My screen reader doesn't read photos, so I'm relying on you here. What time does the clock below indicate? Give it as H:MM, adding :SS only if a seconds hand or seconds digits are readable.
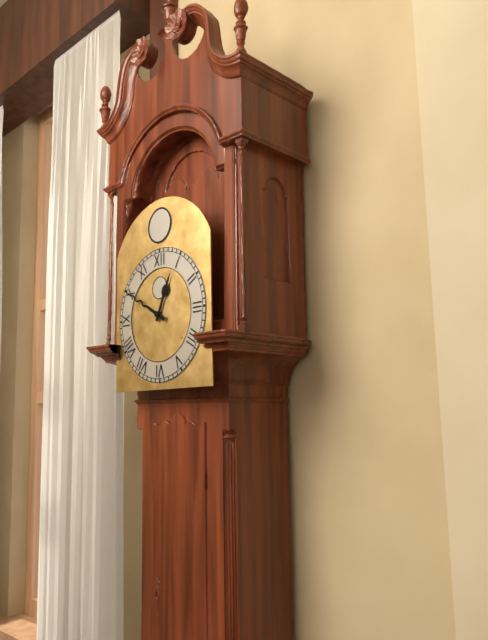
12:50
